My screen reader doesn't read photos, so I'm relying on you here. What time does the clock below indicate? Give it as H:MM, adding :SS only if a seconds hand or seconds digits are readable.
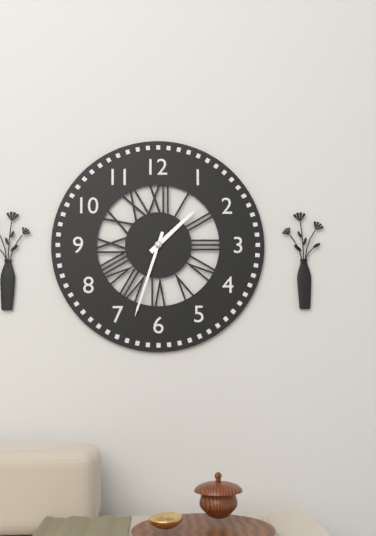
1:33
